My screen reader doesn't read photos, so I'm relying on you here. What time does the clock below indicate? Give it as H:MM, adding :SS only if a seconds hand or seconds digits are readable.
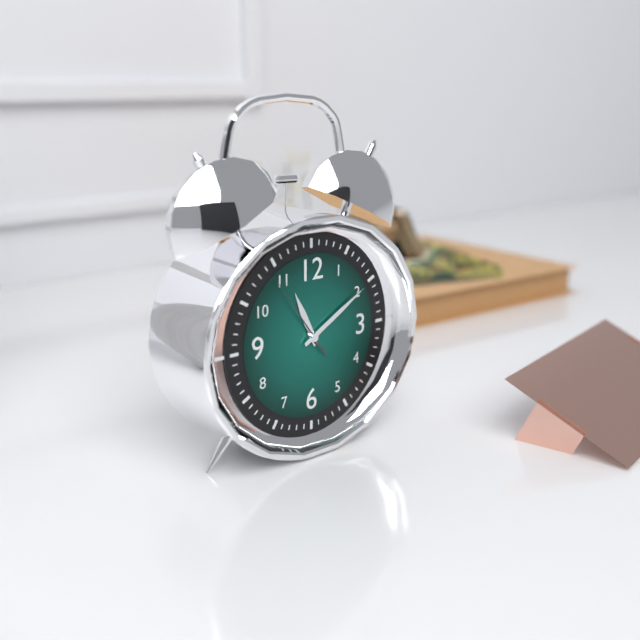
11:10:54
